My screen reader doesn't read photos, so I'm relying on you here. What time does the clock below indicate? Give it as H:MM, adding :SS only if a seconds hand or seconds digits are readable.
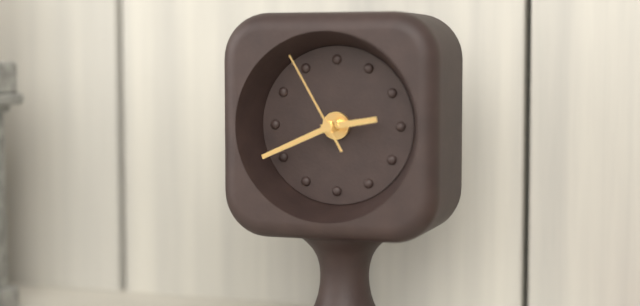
2:41:55
